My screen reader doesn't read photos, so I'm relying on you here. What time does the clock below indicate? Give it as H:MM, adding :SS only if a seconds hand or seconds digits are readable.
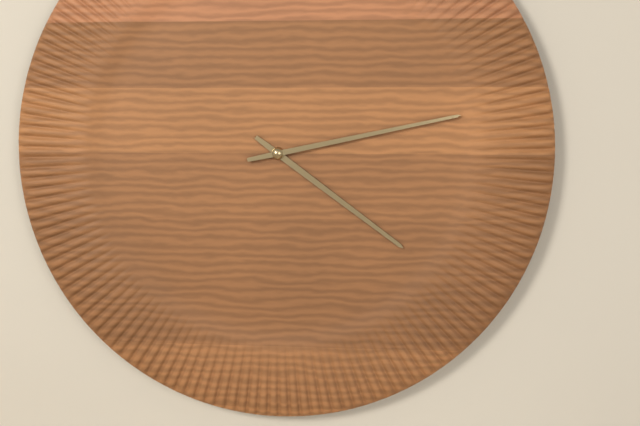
4:13
